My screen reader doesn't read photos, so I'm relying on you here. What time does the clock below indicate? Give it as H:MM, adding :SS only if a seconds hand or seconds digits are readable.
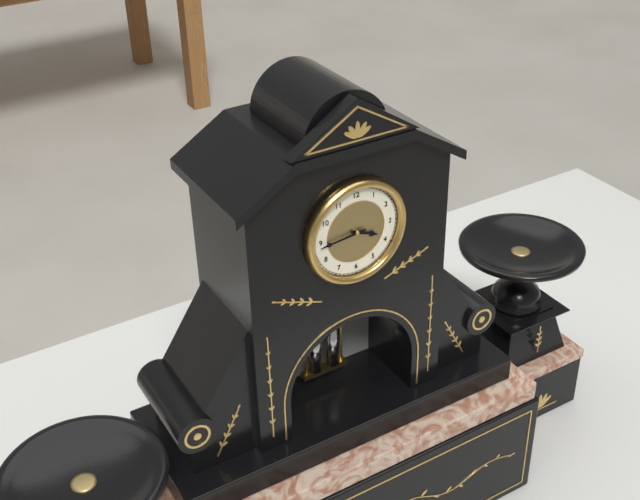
3:44
